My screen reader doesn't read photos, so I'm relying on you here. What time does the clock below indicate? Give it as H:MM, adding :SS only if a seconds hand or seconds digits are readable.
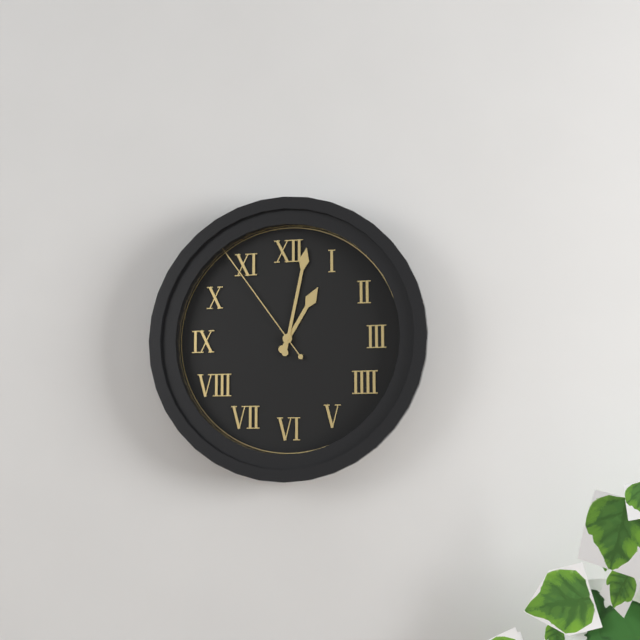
1:02:54
